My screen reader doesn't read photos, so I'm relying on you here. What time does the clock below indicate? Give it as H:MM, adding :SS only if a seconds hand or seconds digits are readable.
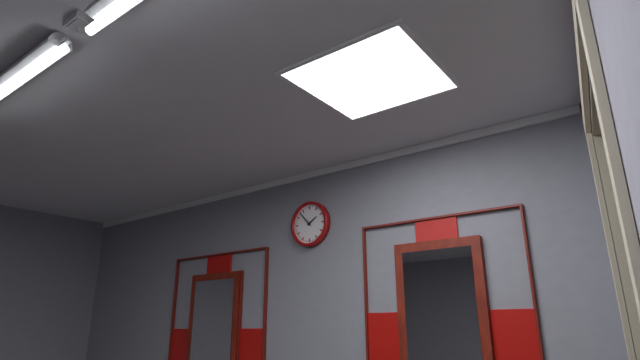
1:53
